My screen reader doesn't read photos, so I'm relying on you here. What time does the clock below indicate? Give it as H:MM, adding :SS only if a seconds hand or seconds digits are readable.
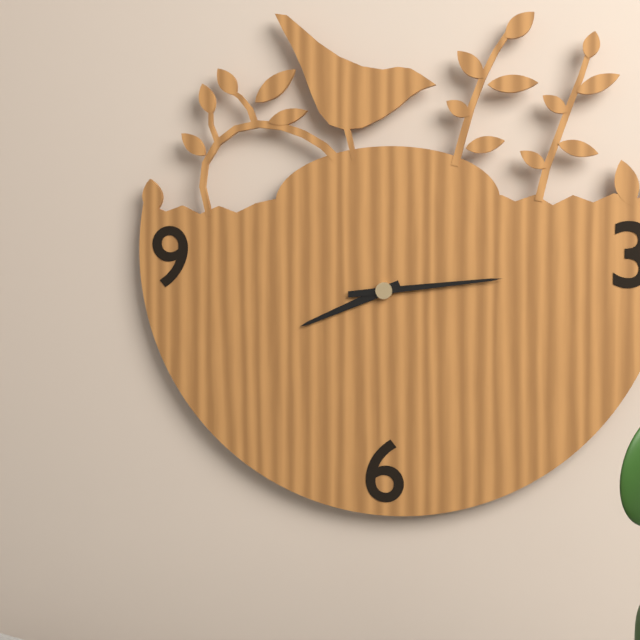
8:14
